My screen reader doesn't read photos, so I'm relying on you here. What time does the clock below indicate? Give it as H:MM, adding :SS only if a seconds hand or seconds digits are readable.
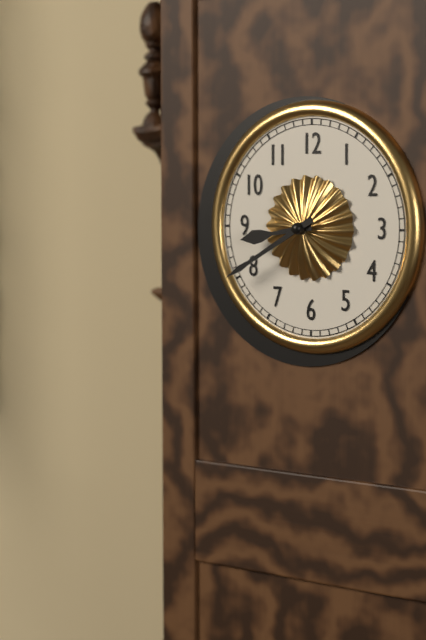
8:40
